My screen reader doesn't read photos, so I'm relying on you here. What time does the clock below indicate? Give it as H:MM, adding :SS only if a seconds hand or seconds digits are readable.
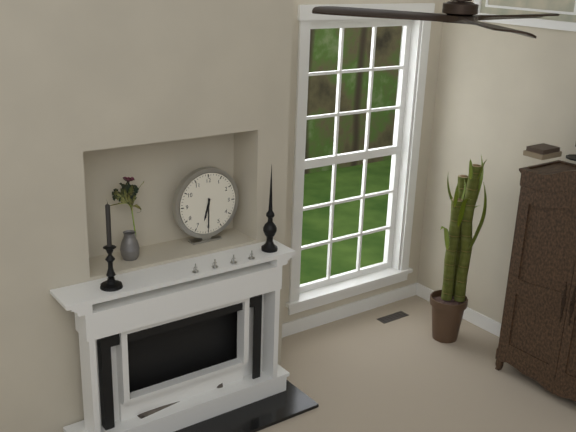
6:30
